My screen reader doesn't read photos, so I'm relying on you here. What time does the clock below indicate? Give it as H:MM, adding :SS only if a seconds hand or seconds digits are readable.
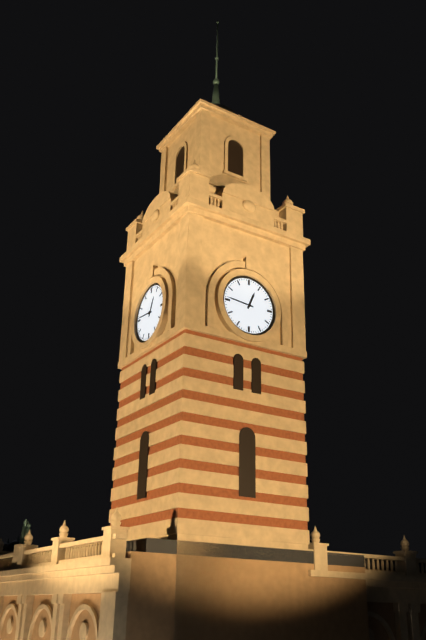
12:46
